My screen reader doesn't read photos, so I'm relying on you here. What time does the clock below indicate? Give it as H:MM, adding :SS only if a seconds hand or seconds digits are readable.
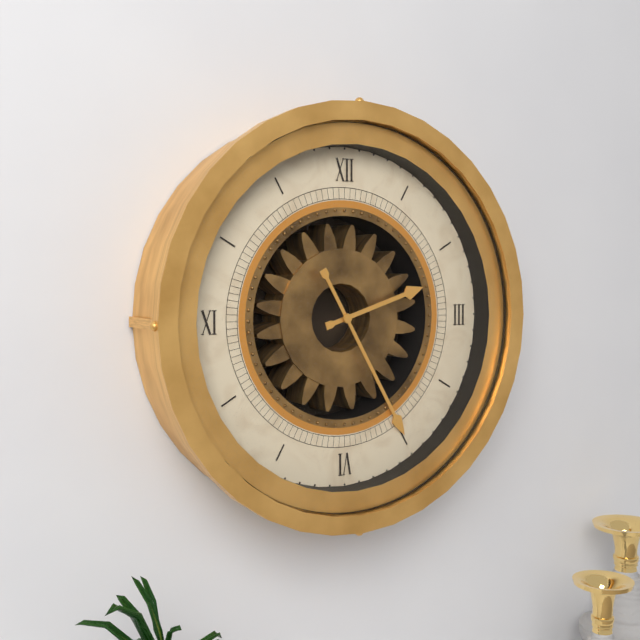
2:25
